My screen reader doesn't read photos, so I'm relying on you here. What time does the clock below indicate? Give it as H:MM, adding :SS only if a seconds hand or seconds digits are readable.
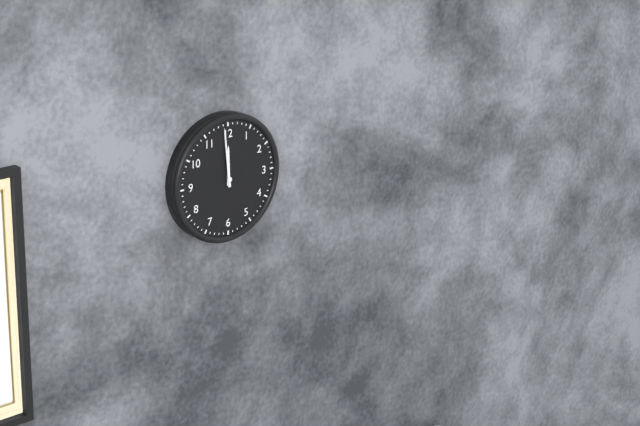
11:59
